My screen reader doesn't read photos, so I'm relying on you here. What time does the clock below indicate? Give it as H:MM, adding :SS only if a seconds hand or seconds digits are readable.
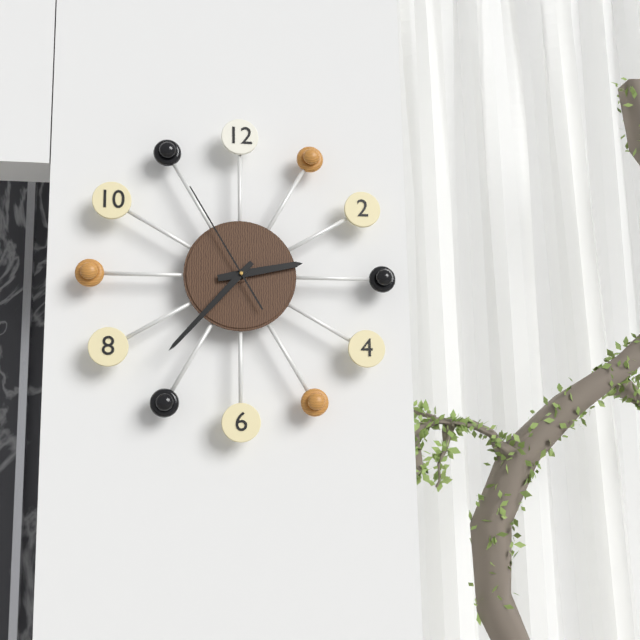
2:37:55
